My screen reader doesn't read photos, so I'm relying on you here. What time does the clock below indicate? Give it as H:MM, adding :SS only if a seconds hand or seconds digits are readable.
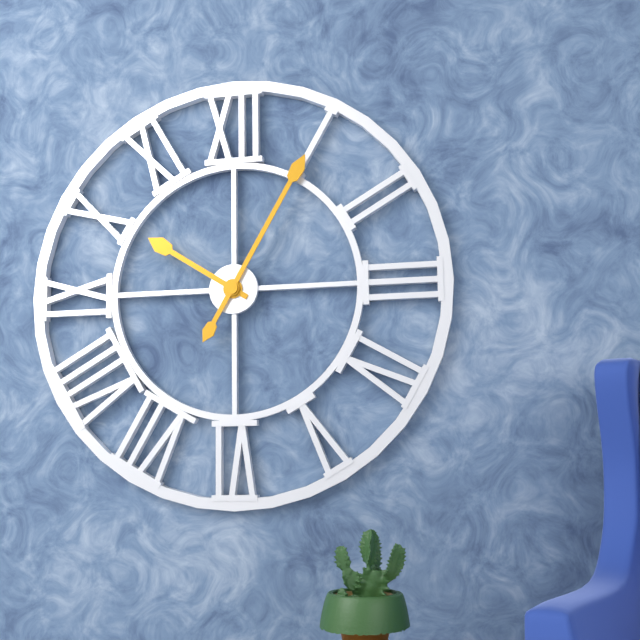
10:05
